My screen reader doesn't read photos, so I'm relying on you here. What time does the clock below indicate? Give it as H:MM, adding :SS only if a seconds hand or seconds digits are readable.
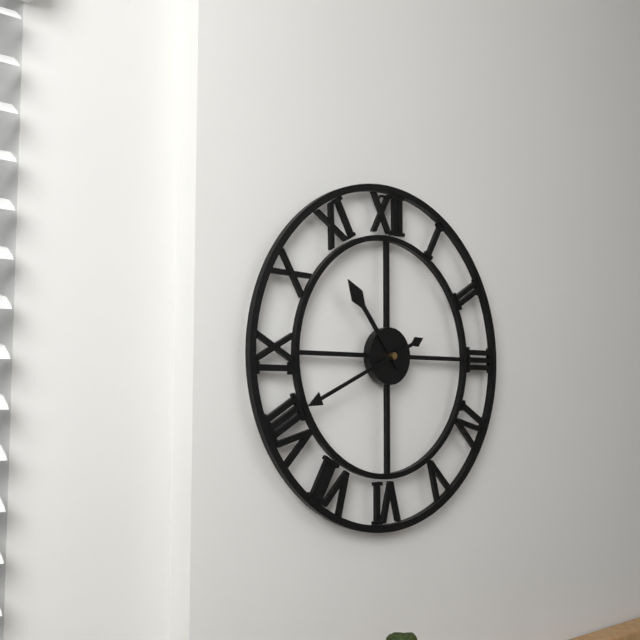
10:41
